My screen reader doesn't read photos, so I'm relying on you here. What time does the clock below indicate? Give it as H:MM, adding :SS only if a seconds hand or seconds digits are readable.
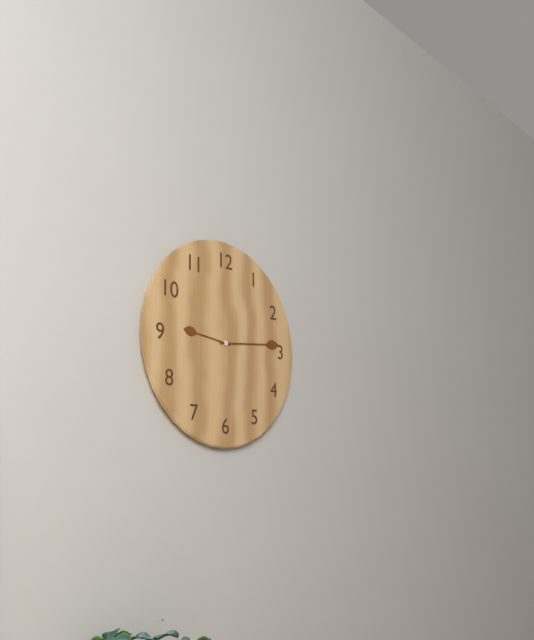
9:14
